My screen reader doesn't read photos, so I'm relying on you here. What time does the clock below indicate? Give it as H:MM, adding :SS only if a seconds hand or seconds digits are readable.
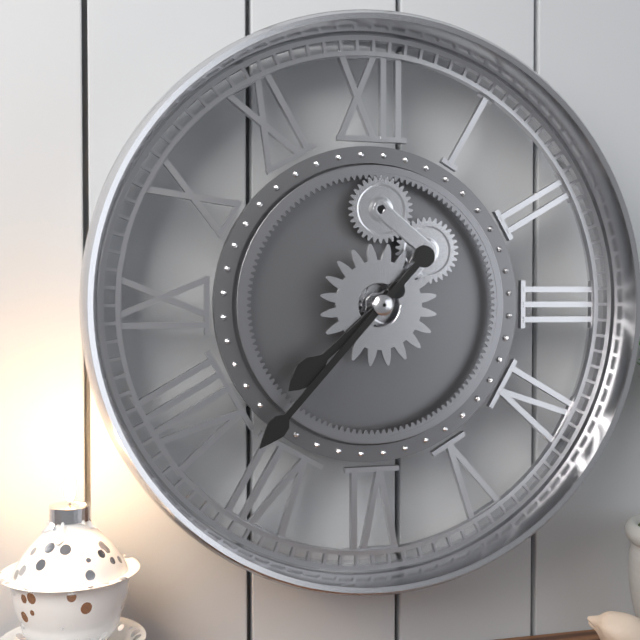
7:37
